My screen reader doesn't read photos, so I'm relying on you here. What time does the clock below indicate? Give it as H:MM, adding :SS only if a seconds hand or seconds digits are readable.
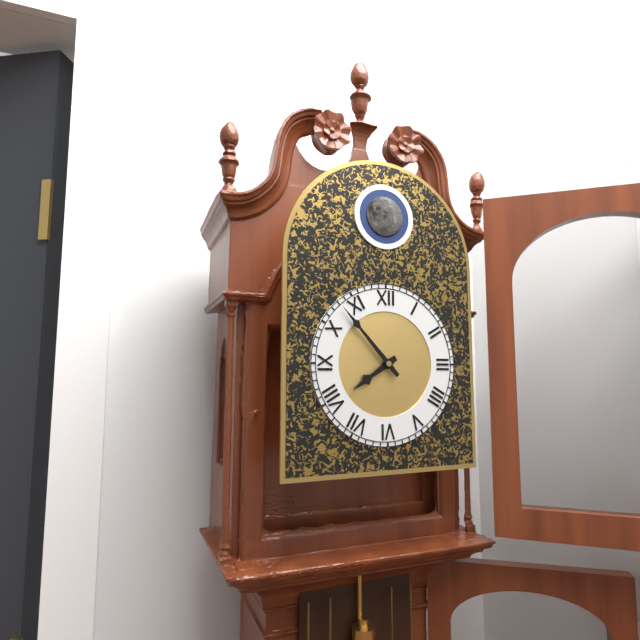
7:53
